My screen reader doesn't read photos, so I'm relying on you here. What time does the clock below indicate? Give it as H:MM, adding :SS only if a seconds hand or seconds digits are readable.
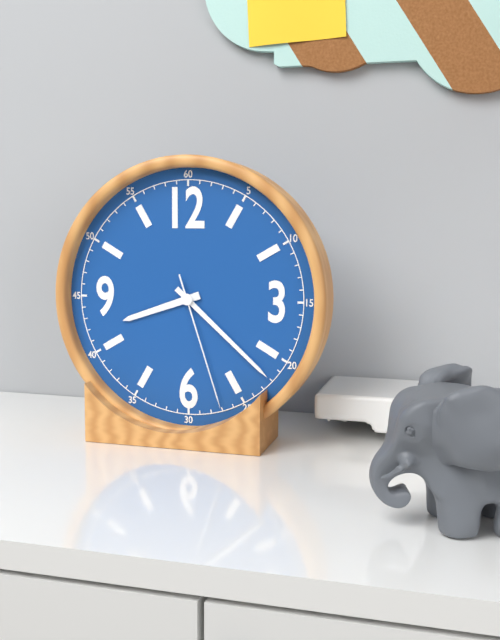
8:22:27
